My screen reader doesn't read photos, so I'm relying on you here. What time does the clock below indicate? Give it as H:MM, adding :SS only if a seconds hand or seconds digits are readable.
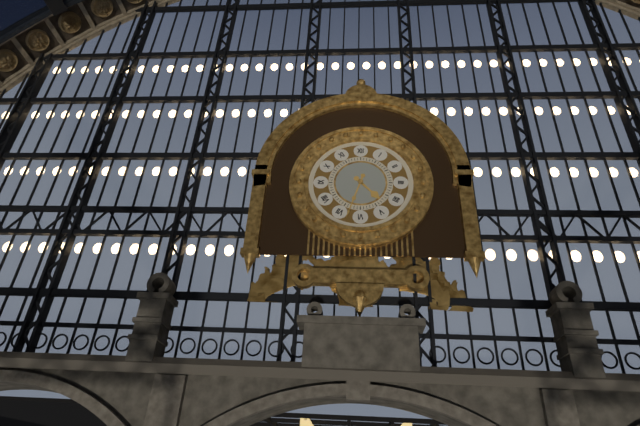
4:33
